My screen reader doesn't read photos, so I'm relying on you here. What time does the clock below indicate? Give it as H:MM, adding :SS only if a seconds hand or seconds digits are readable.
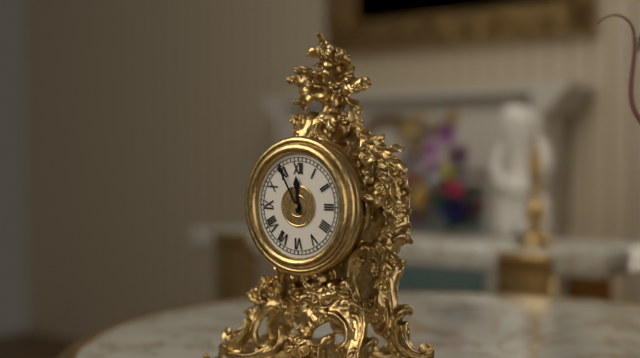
11:55
